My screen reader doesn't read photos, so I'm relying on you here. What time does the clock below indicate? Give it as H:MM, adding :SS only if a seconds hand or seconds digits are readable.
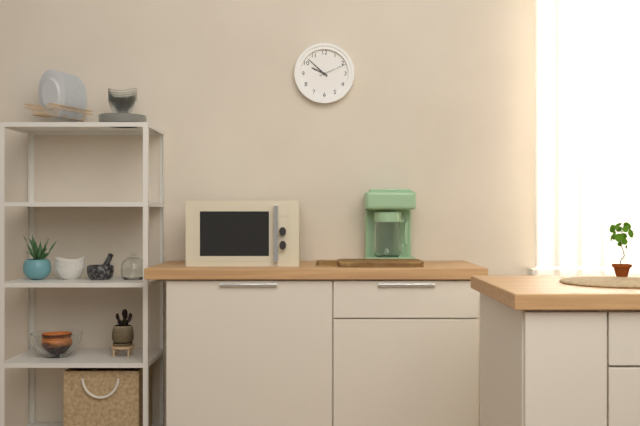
9:52
